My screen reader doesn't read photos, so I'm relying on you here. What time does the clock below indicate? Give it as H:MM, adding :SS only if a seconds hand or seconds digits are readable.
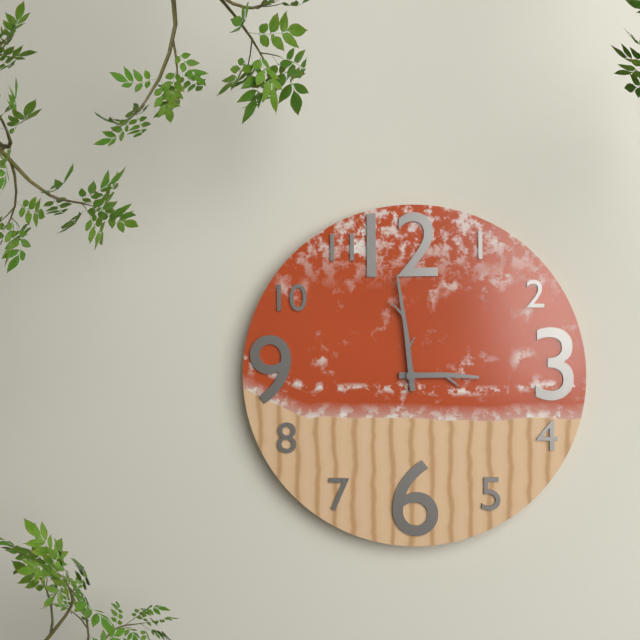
2:59
